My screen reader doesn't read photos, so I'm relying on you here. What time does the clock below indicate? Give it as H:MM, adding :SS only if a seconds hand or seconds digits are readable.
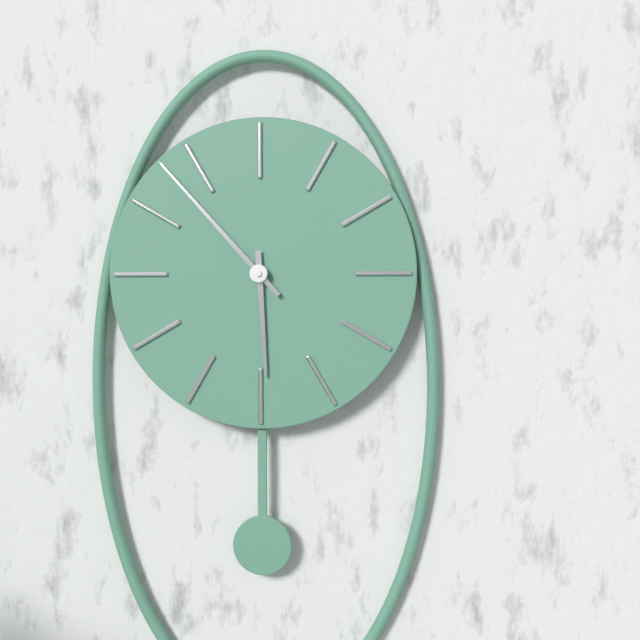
5:53
